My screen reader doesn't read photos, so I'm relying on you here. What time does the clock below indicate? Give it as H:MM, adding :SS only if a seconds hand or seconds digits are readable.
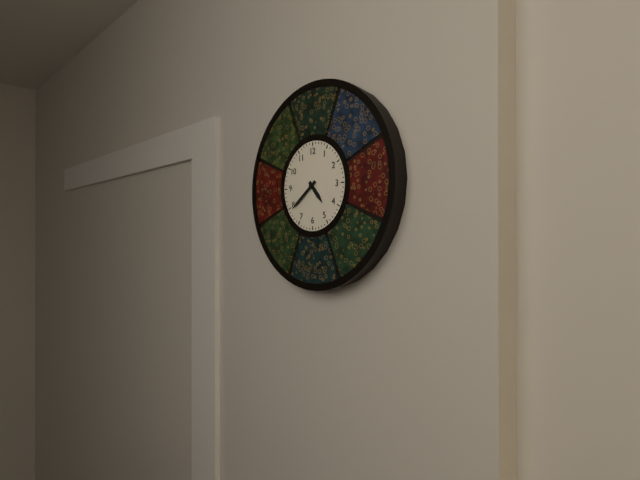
4:39
